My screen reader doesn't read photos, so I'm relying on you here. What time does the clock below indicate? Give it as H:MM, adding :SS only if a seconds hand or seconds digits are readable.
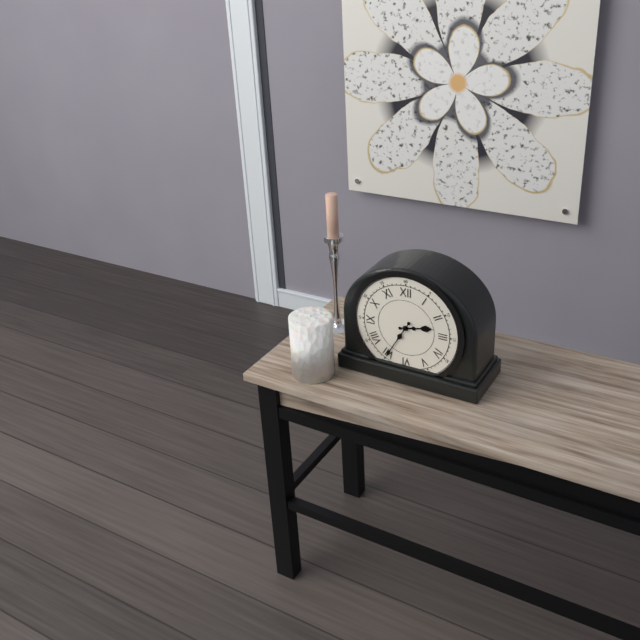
2:35
